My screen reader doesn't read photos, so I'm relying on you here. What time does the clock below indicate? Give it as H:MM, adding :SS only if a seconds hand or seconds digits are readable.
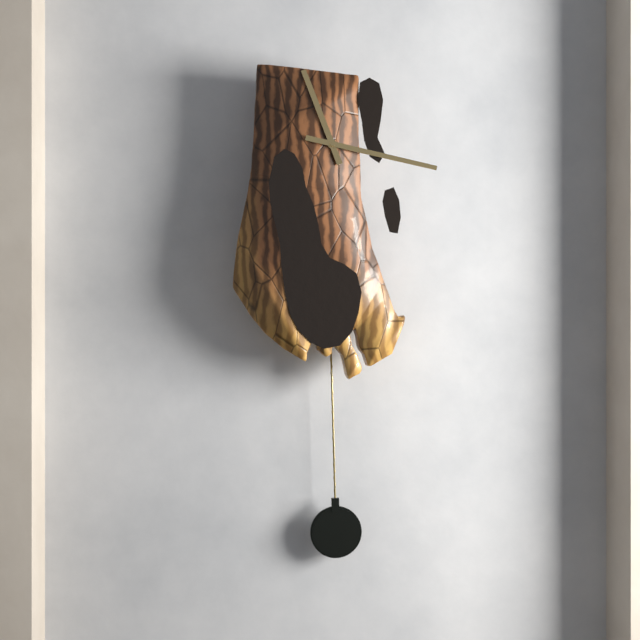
11:17
